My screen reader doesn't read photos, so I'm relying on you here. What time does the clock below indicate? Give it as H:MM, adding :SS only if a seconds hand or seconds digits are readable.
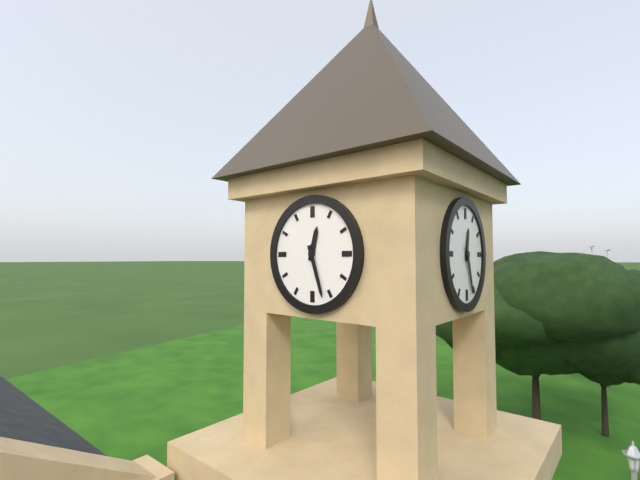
12:27
